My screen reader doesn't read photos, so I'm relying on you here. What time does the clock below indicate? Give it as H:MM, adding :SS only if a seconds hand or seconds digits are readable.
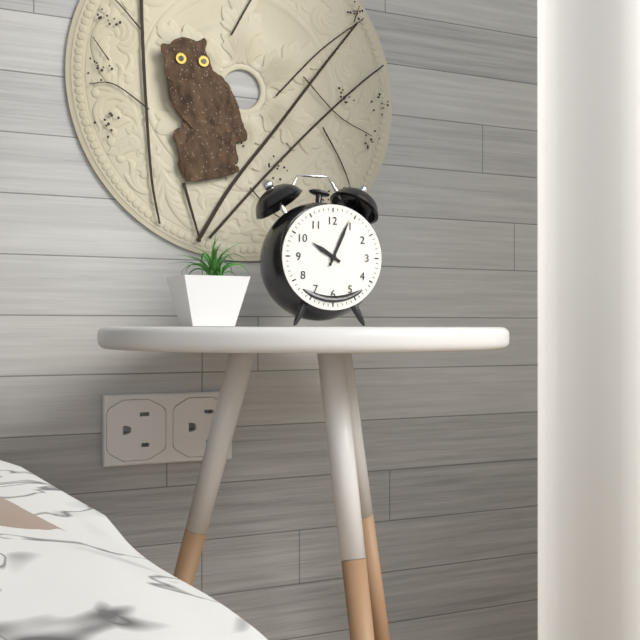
10:04
